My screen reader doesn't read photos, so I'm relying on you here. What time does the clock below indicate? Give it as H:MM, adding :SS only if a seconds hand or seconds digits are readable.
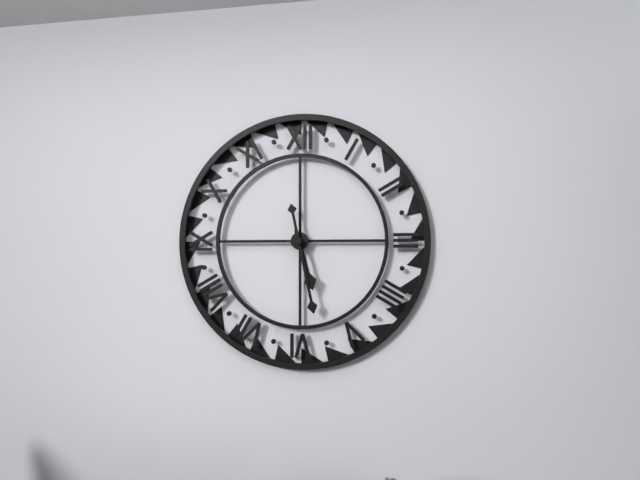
5:28
